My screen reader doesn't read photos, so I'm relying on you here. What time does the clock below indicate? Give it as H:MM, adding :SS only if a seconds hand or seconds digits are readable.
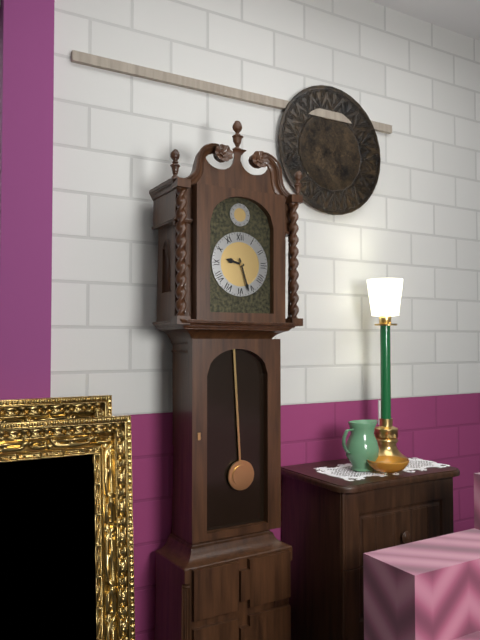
9:27
